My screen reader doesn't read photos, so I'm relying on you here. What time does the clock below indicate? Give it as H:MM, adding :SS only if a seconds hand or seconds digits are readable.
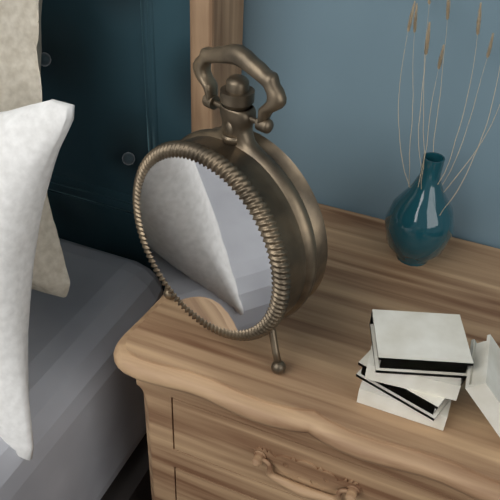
4:18
